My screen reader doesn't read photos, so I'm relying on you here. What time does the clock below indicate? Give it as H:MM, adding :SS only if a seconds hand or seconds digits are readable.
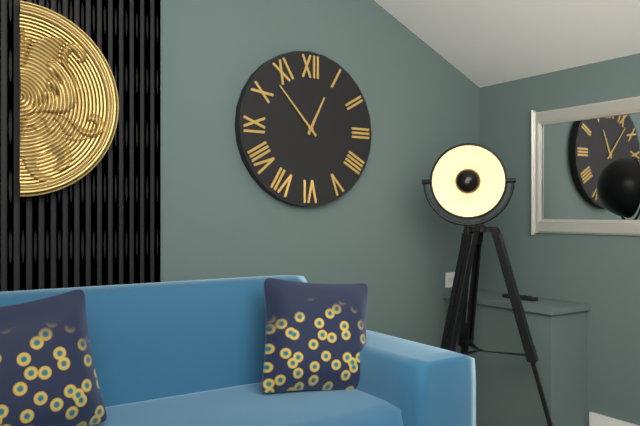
12:53
